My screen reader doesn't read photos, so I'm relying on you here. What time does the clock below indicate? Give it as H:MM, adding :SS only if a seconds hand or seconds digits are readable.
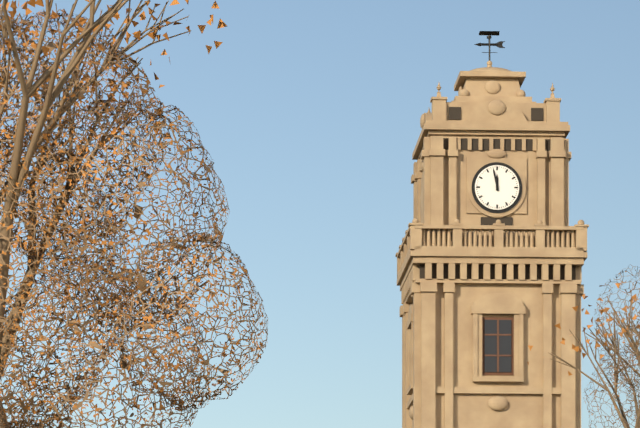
11:58
